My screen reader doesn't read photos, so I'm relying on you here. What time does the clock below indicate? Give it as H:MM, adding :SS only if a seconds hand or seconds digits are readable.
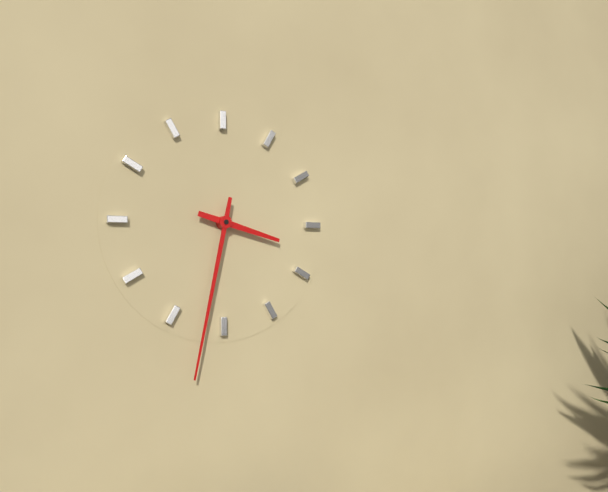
3:32
